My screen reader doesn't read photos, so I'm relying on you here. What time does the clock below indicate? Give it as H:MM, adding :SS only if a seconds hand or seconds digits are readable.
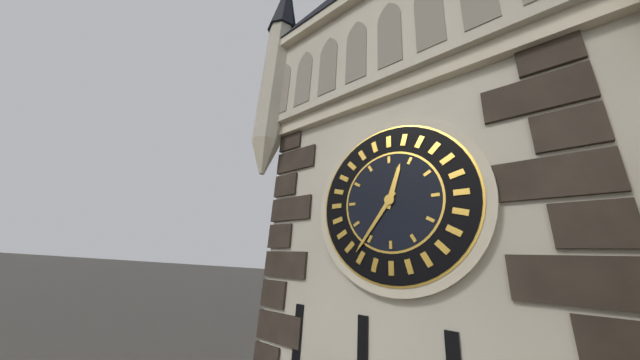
12:36
